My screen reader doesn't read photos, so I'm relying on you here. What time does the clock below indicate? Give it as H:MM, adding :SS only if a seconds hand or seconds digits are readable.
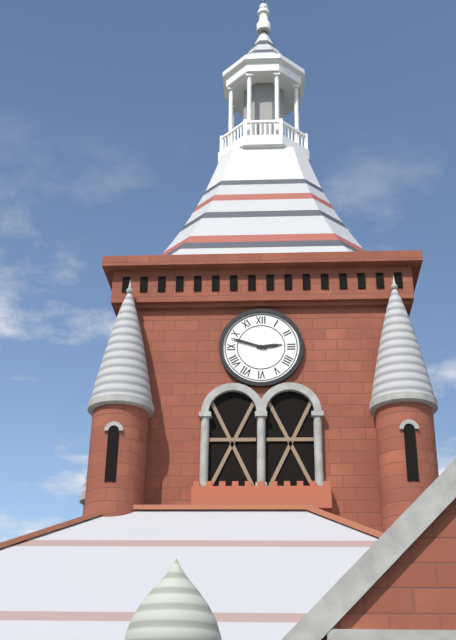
2:48
